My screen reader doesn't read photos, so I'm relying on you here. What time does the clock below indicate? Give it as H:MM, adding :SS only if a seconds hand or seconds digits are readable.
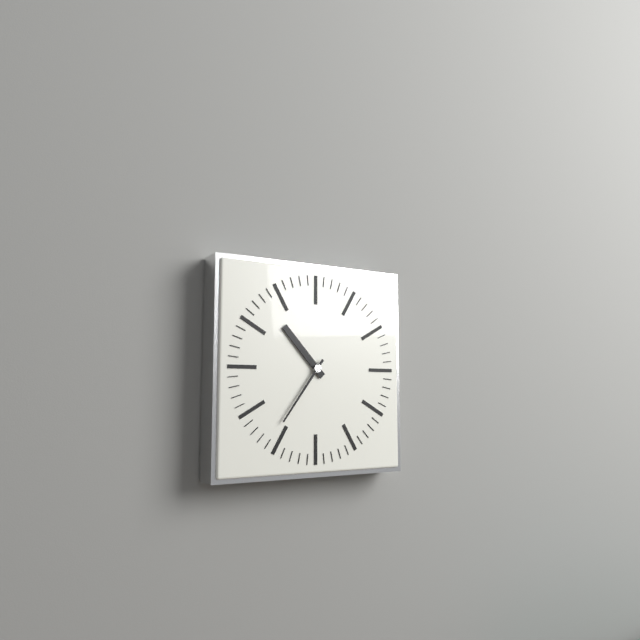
10:36
